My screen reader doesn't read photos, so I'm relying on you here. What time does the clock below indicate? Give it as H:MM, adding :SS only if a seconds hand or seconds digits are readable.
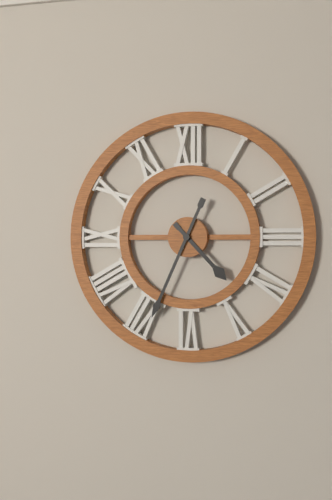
4:34
